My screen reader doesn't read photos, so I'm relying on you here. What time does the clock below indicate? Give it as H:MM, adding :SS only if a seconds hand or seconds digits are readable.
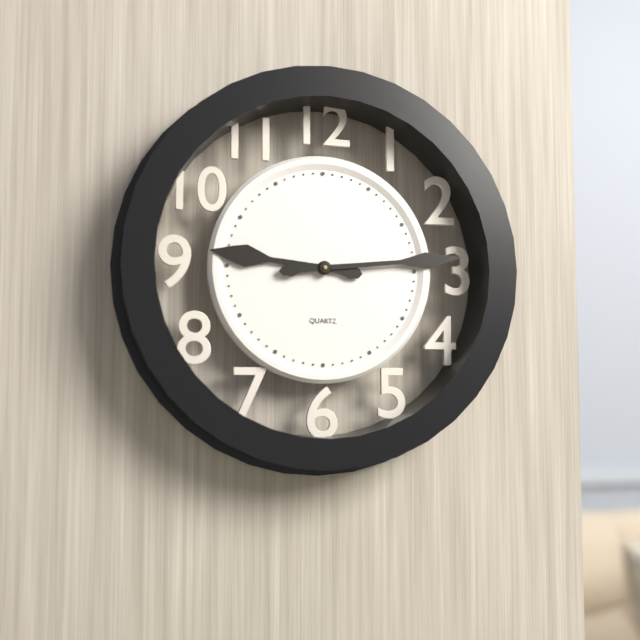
9:14
